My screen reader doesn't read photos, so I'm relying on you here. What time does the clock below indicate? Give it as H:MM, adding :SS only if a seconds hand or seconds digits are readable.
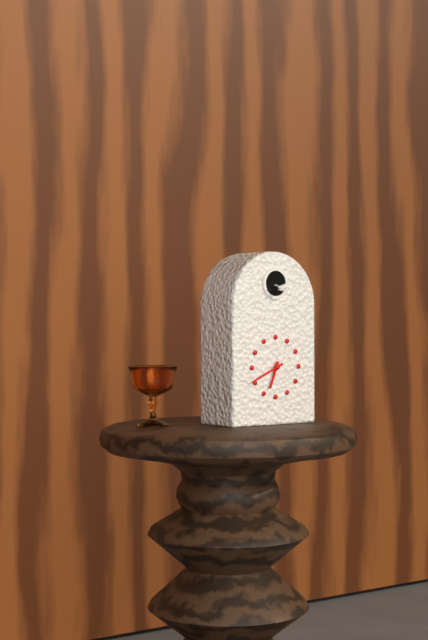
6:41
